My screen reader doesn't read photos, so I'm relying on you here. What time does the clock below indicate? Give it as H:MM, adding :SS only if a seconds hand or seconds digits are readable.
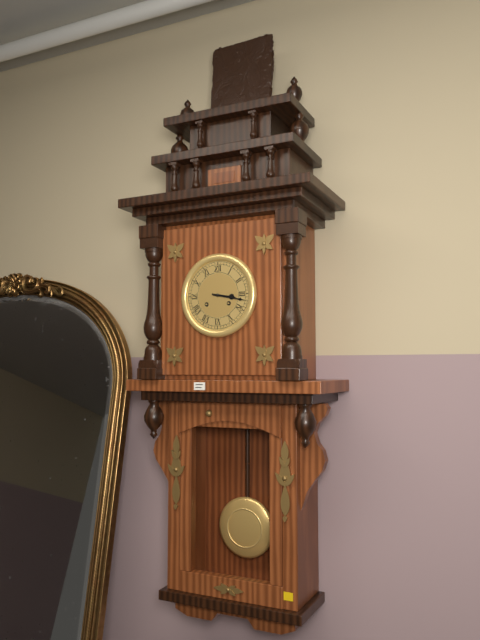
3:17
